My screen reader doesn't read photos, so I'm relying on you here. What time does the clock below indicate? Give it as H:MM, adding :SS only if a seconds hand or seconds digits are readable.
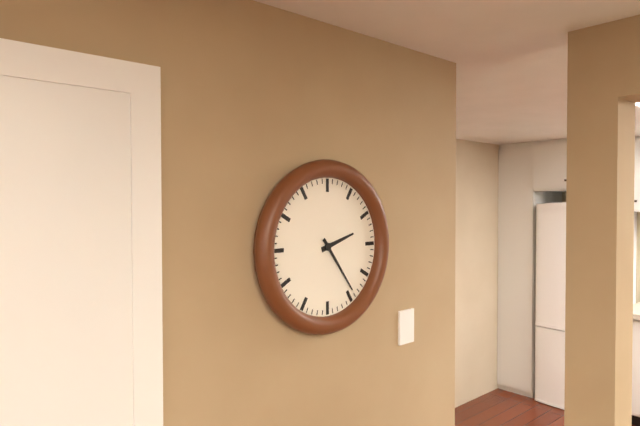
2:24
